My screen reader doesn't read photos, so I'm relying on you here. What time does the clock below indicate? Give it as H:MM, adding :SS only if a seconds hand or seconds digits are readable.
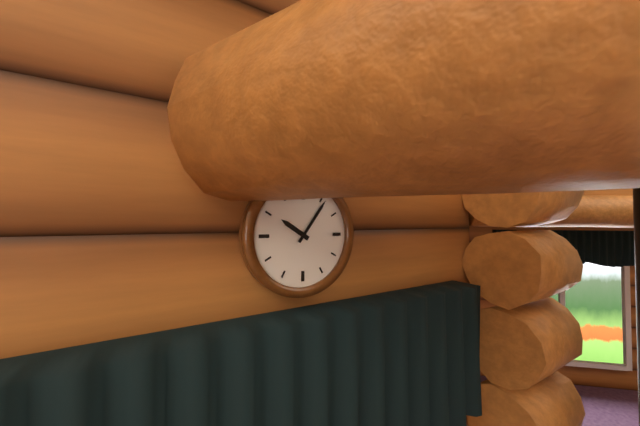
10:06
